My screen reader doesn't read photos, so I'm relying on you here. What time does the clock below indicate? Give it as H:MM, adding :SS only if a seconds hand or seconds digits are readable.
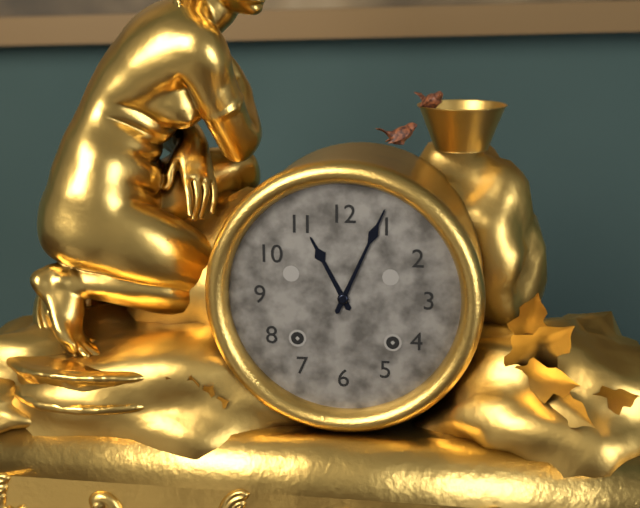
11:04
